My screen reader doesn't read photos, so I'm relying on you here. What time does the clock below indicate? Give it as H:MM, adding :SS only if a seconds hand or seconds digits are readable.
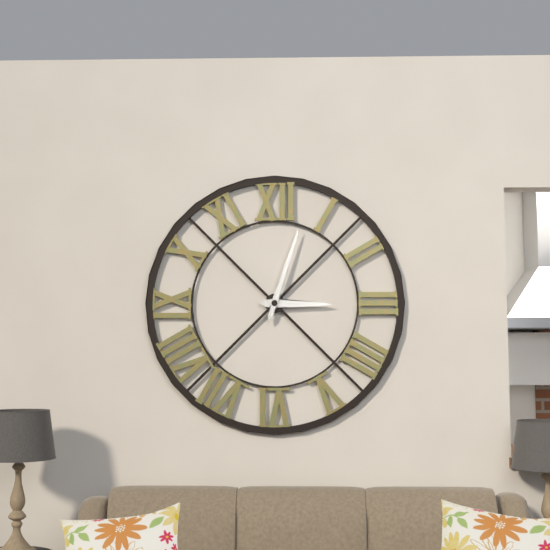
3:03
